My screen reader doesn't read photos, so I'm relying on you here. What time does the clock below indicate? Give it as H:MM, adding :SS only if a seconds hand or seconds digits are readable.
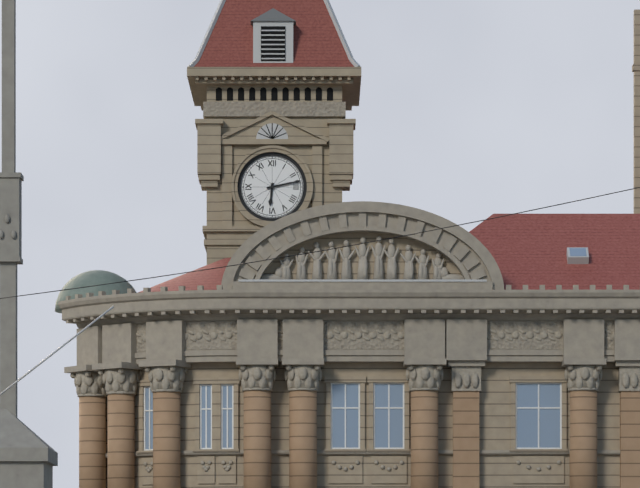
6:13
